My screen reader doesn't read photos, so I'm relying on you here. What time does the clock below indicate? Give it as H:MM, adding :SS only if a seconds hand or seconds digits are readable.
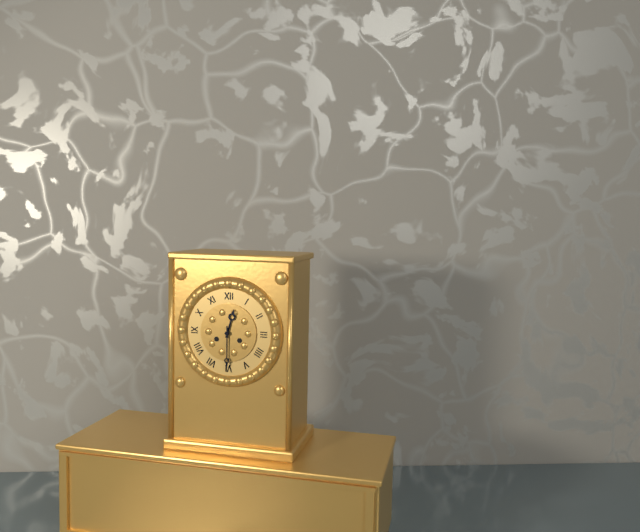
12:30
